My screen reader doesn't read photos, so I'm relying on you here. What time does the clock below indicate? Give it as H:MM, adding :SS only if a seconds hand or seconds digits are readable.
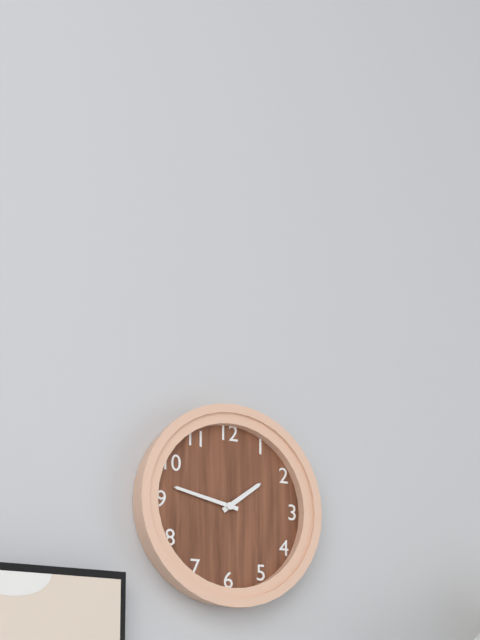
1:47
